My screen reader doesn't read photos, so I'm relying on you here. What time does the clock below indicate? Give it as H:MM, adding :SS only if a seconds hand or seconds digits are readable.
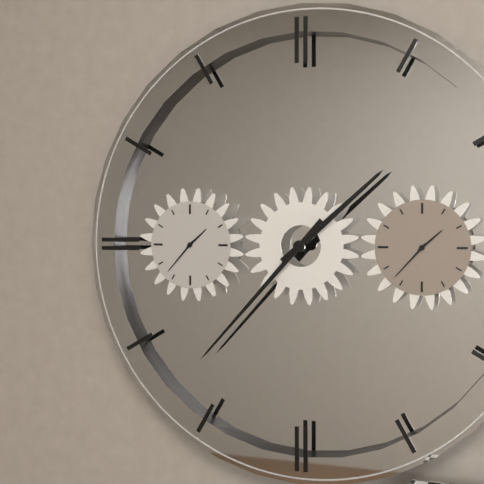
1:37
